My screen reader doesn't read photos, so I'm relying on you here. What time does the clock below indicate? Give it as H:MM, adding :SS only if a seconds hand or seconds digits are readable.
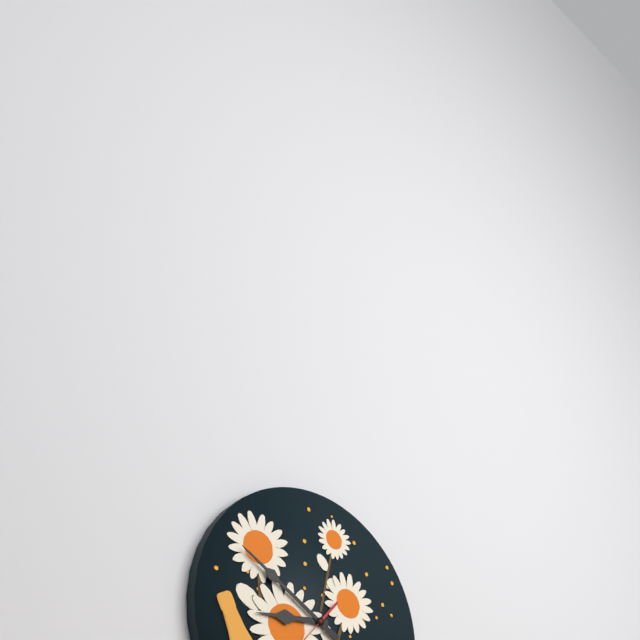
8:50
